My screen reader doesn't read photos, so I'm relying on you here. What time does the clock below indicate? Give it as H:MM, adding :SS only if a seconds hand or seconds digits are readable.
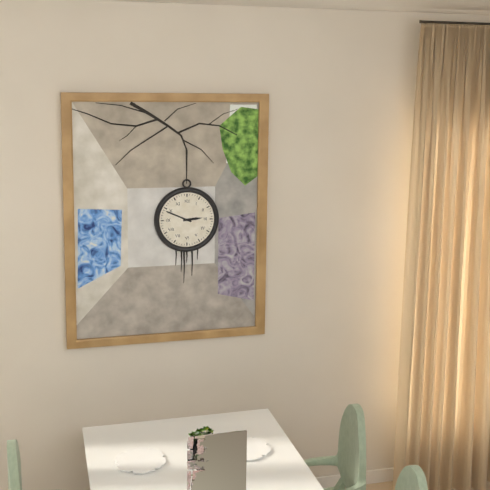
2:49
